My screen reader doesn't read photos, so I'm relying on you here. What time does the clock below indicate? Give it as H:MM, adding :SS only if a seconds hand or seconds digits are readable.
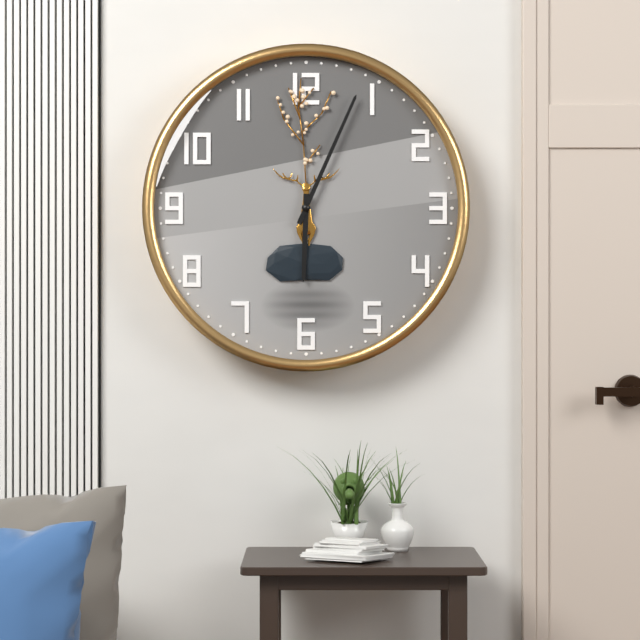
6:04
